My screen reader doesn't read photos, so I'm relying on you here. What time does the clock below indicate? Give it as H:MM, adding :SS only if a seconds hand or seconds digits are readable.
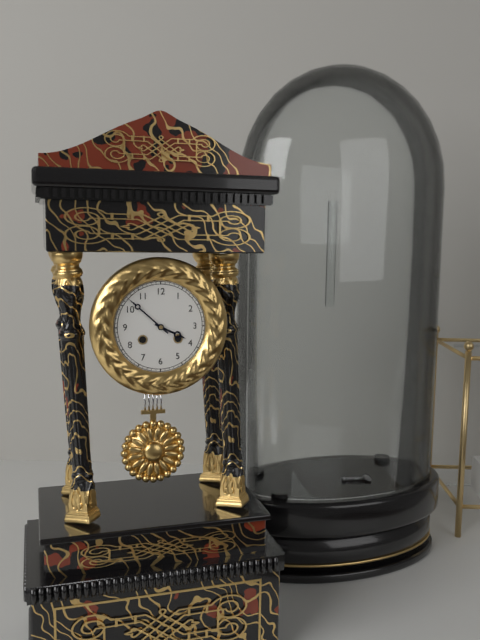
3:52
